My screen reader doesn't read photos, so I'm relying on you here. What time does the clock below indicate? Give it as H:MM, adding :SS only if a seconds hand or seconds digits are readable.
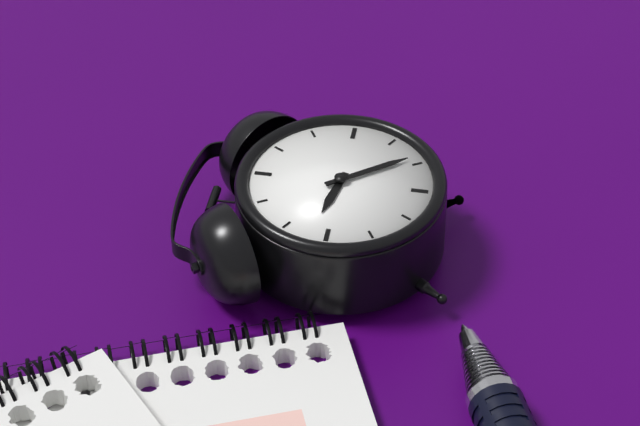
9:24
